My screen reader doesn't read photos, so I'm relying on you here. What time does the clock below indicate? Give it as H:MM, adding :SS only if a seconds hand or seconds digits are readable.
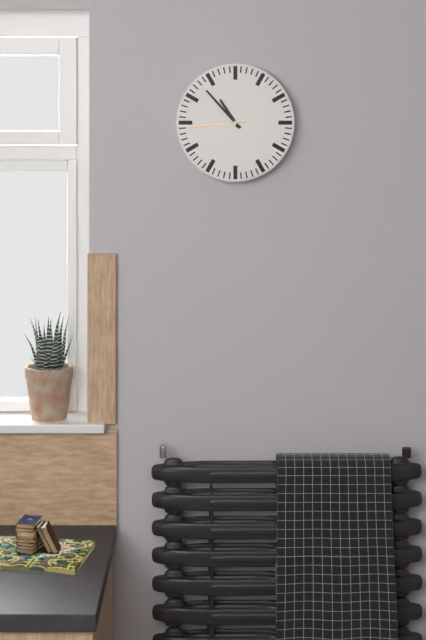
10:53:44
